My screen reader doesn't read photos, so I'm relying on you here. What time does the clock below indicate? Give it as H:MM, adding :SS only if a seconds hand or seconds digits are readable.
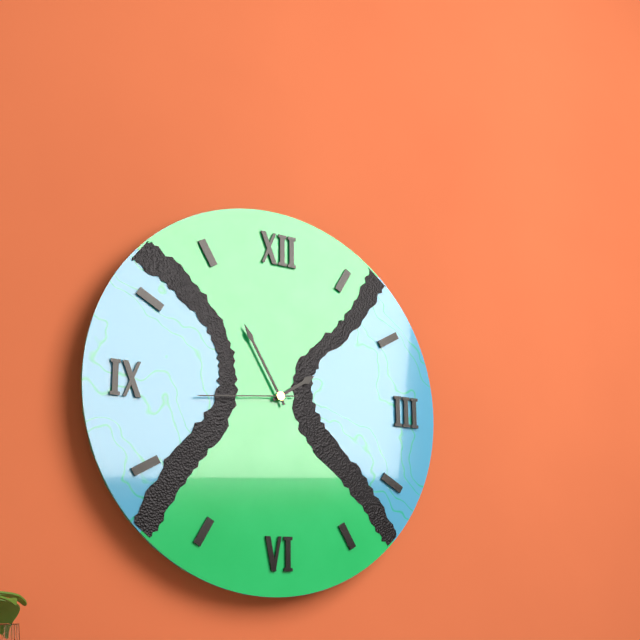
1:55:44
